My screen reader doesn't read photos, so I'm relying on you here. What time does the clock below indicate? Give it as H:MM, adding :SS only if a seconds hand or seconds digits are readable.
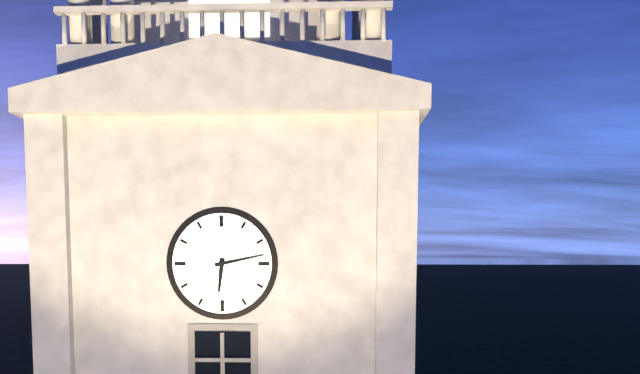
6:13
